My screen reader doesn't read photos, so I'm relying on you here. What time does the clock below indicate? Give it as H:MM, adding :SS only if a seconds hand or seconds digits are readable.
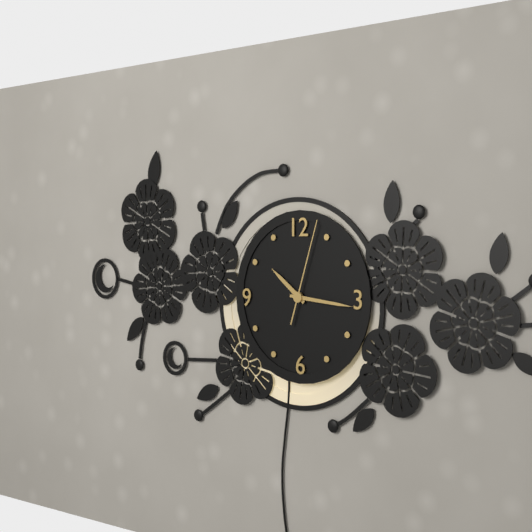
10:16:03
